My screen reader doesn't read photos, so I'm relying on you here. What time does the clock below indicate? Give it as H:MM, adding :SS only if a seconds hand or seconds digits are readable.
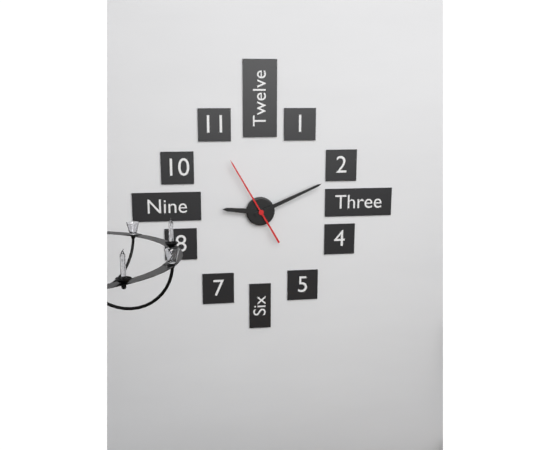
9:11:55
